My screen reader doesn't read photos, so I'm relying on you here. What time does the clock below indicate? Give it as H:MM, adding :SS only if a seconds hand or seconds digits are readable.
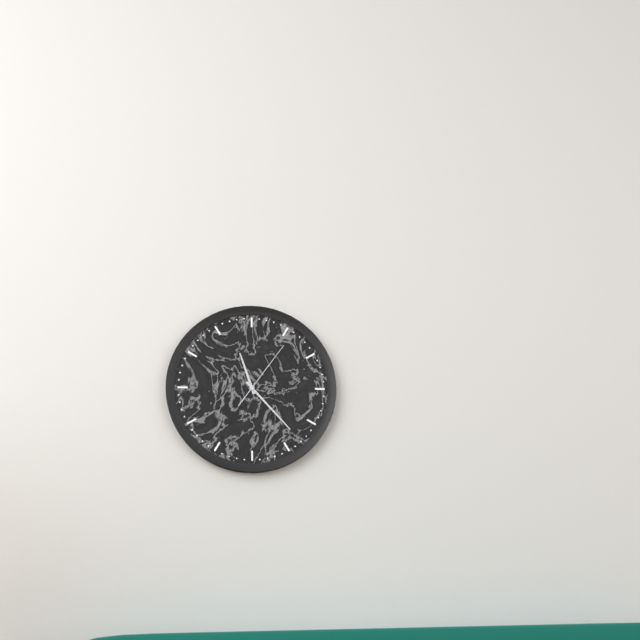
11:23:06
